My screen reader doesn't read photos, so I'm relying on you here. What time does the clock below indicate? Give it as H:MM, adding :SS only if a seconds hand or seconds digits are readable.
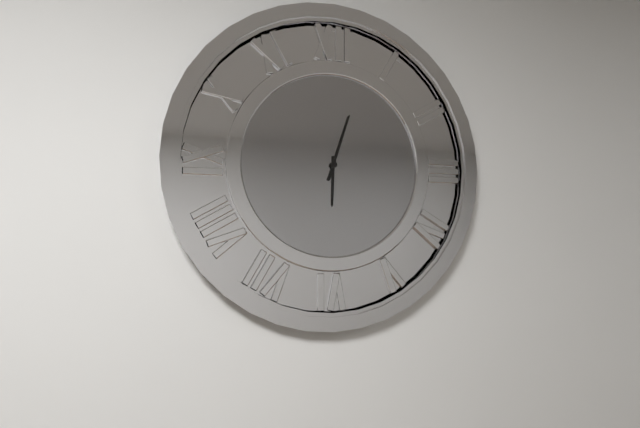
6:03
